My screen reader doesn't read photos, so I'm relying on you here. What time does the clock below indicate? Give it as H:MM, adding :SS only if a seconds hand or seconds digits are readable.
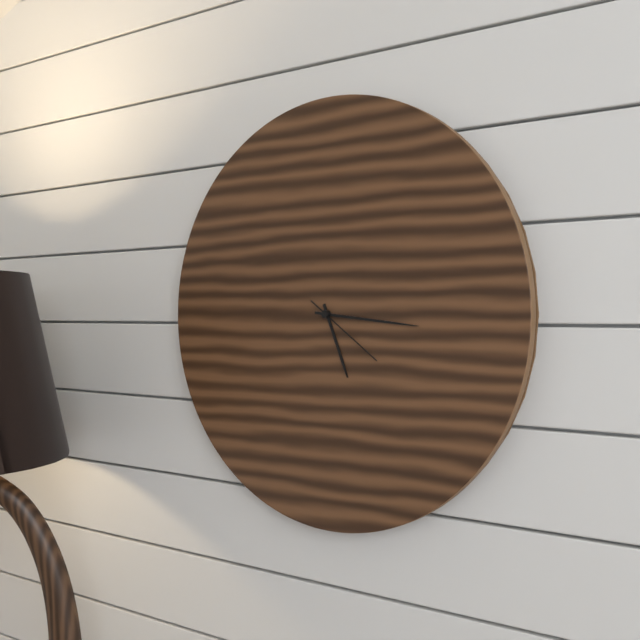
5:16:21
